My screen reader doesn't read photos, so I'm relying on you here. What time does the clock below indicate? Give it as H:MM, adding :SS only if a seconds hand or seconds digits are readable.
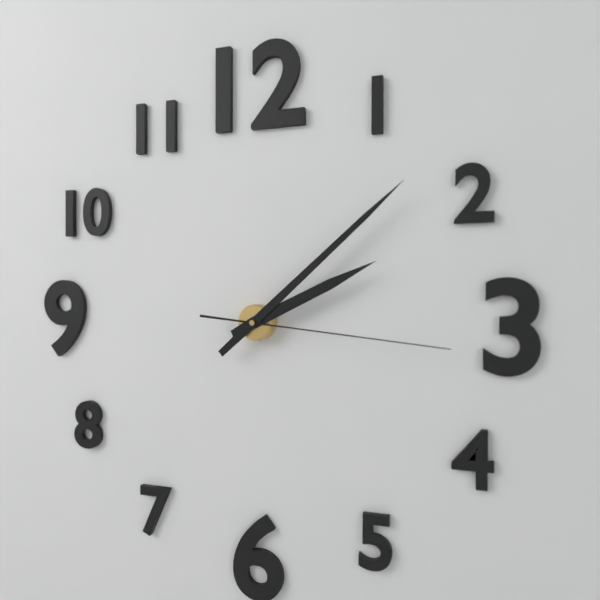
2:08:16
